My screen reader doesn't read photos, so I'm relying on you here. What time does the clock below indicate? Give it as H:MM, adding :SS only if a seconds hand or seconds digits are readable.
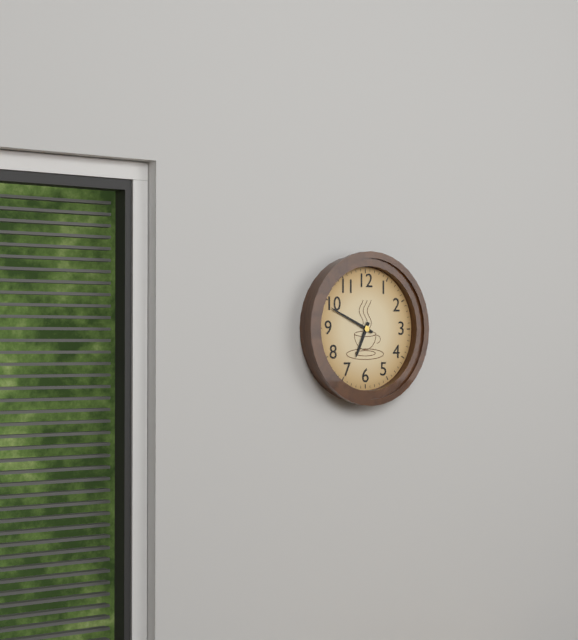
6:49
